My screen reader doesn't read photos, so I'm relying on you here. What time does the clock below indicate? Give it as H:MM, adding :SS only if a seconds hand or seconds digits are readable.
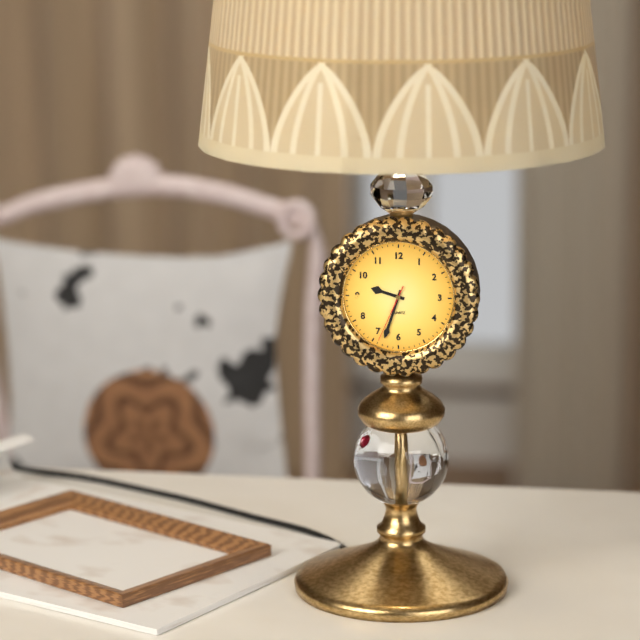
9:33:34
